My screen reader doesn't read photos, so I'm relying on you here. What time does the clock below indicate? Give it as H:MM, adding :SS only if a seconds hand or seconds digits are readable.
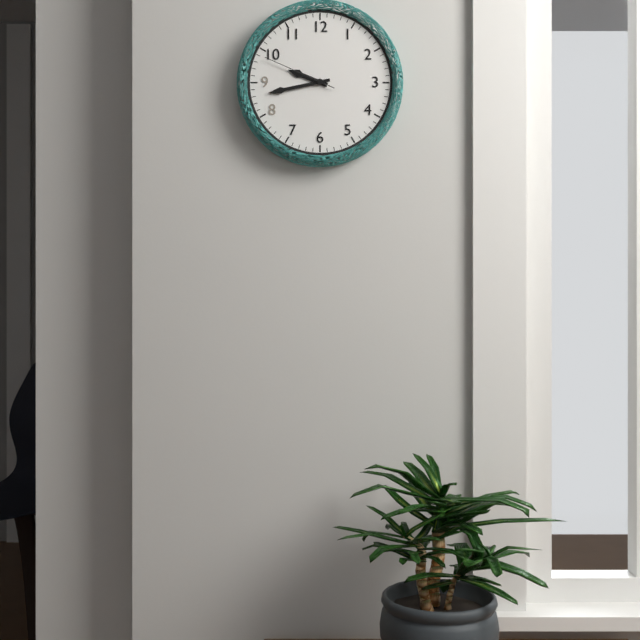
9:43:49
